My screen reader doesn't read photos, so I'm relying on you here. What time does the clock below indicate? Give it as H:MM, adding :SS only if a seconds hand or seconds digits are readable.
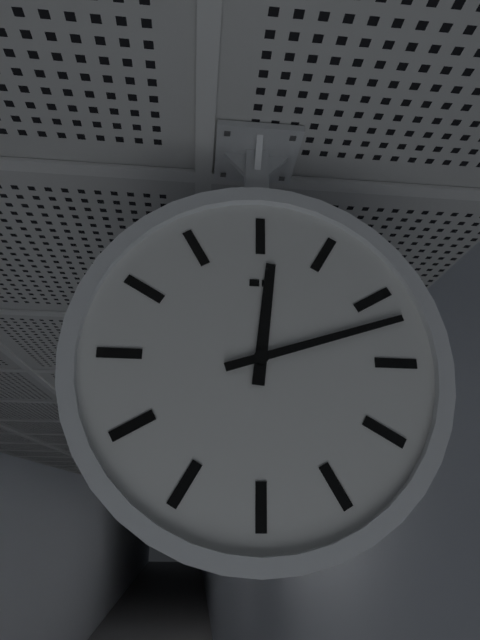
12:12
